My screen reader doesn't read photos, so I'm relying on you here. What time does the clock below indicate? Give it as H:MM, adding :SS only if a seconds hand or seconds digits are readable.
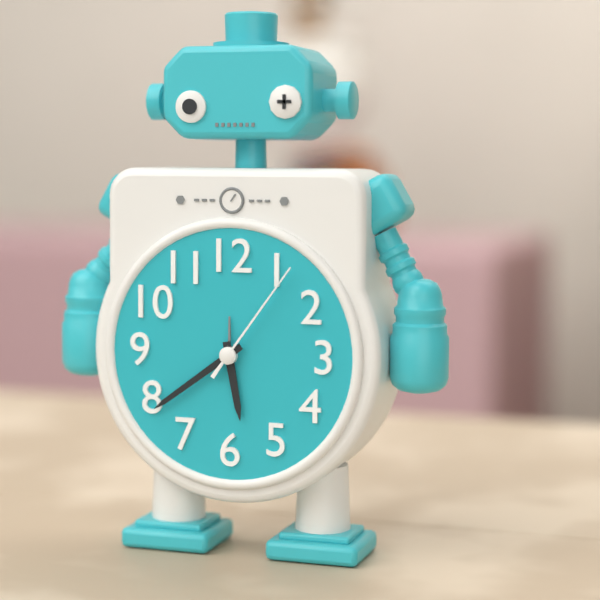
5:39:06
